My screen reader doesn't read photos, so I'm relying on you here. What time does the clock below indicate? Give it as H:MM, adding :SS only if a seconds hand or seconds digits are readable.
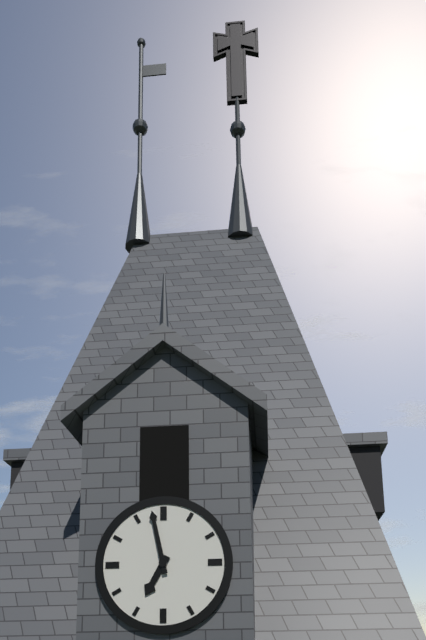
6:58
